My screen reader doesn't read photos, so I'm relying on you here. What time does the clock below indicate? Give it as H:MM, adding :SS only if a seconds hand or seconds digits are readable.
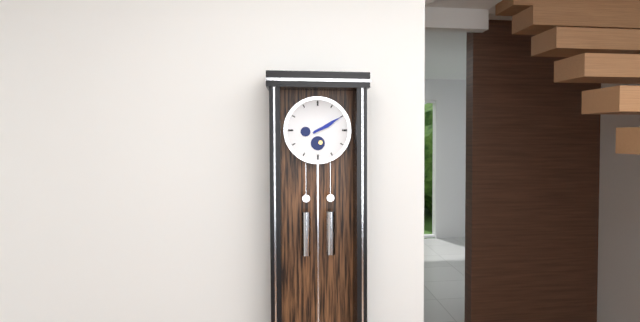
2:10
